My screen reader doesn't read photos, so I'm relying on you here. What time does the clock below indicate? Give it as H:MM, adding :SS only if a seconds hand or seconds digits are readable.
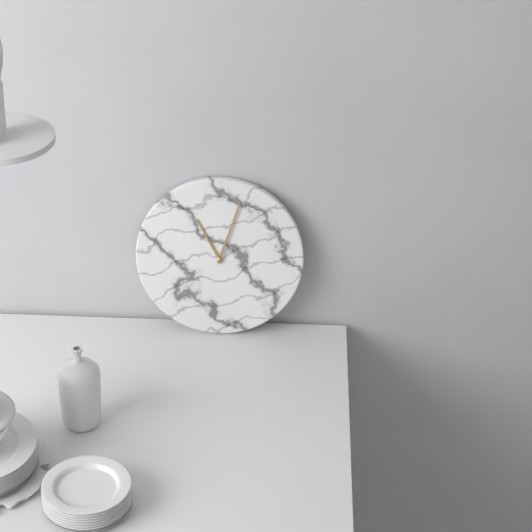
11:03
